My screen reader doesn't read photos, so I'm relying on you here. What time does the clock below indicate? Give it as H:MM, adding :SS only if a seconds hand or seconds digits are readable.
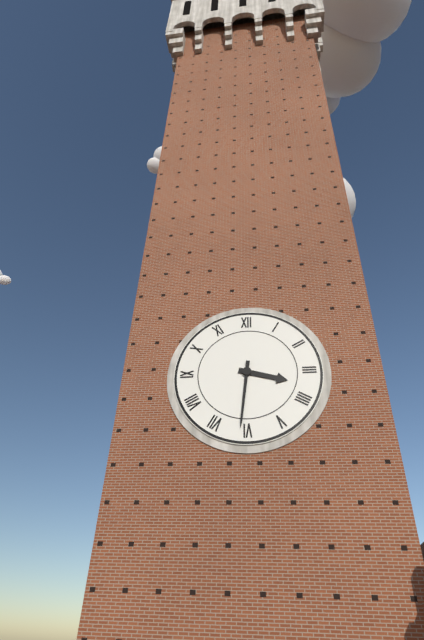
3:31
